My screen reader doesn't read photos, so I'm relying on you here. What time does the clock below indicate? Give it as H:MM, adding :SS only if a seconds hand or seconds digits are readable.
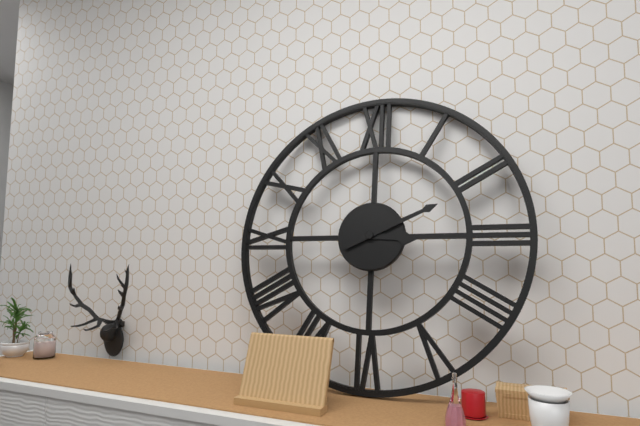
3:11
